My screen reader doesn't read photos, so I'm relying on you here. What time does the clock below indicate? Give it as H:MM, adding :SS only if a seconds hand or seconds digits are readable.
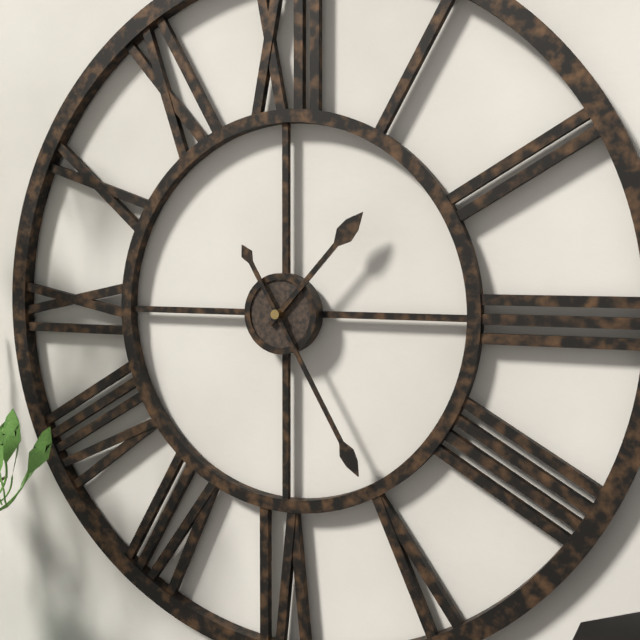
1:25
